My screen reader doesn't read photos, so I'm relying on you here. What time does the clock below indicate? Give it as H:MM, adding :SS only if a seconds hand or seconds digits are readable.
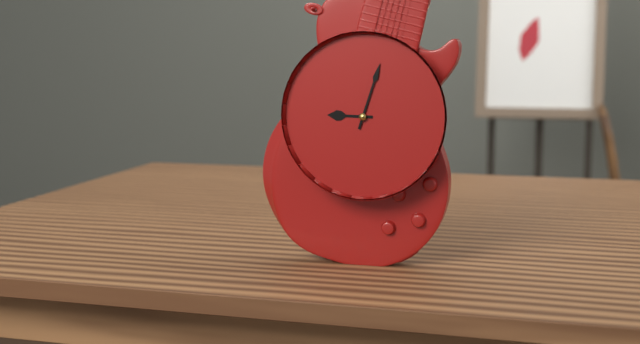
9:03
